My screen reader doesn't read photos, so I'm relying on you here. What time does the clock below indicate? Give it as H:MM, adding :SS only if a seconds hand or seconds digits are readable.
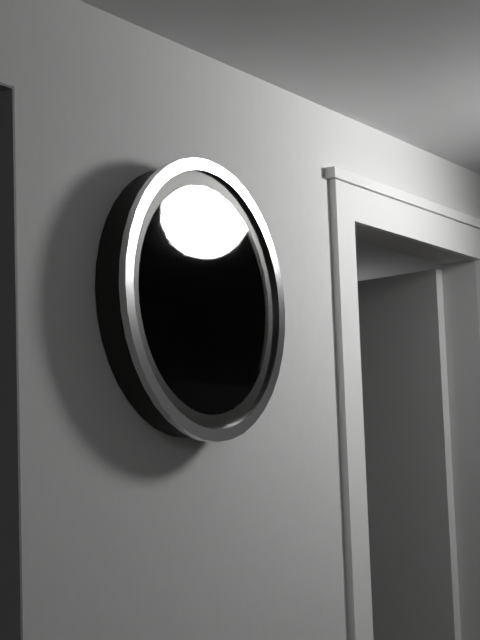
1:30
